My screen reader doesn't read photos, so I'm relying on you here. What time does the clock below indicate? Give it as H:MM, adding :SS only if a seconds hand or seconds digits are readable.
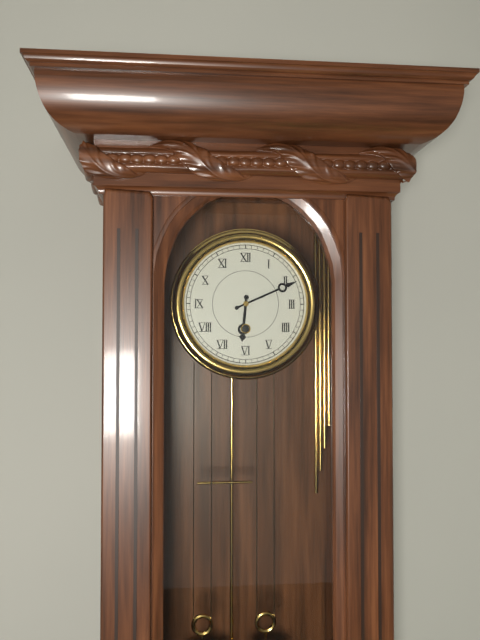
6:11
